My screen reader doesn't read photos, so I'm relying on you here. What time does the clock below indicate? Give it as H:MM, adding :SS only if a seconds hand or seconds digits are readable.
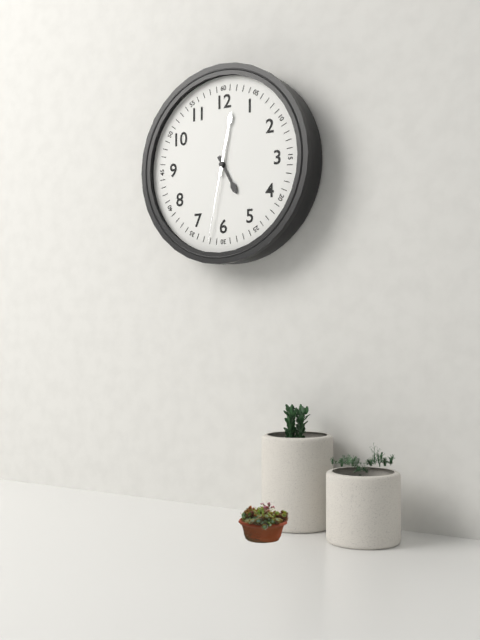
5:02:32
